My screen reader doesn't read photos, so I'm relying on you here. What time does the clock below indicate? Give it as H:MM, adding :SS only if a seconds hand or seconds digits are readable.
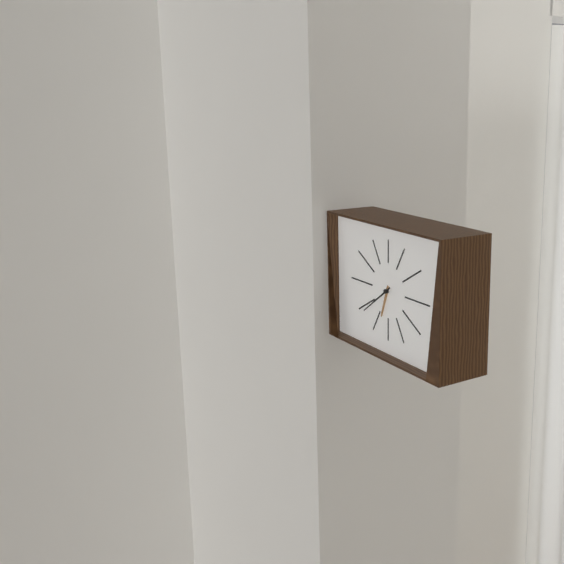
6:39
